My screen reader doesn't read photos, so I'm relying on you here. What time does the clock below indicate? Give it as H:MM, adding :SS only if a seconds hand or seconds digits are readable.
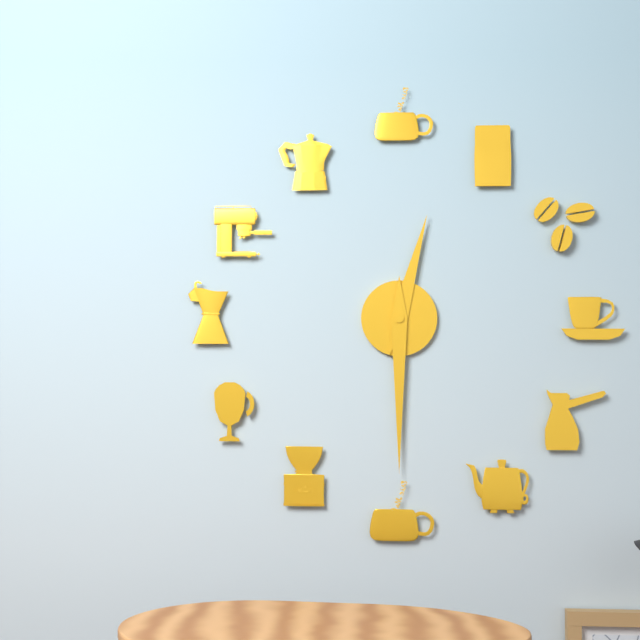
12:30
